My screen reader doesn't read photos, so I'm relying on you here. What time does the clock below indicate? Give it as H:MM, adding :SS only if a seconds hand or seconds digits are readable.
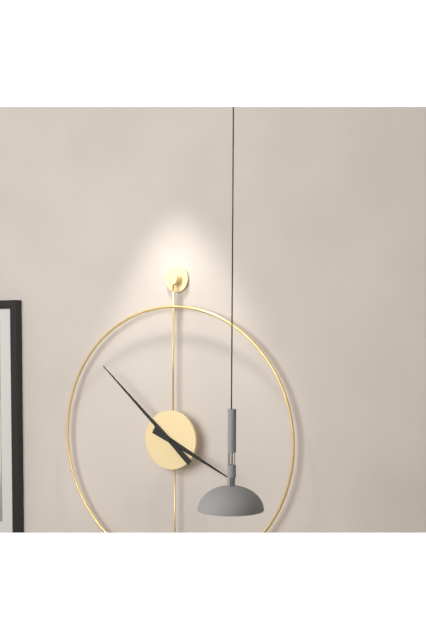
3:52
